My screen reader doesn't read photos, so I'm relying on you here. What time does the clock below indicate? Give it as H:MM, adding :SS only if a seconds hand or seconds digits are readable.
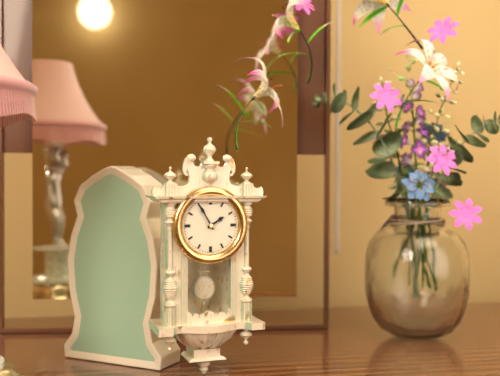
1:55
